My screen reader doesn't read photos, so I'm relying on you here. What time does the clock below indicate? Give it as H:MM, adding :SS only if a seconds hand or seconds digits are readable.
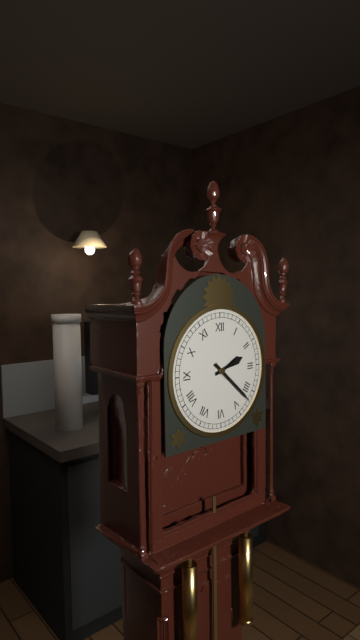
2:22
